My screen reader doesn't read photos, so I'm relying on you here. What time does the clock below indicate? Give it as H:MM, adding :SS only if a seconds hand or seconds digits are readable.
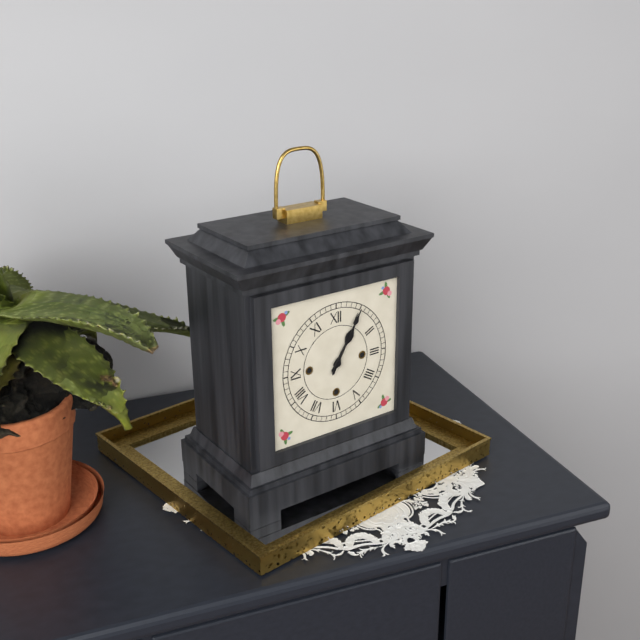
1:05
